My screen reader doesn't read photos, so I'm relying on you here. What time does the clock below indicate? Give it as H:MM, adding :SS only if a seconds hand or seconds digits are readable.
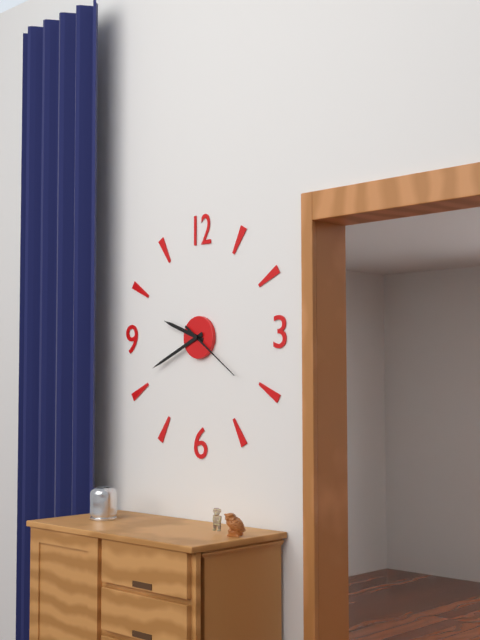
9:41:21
